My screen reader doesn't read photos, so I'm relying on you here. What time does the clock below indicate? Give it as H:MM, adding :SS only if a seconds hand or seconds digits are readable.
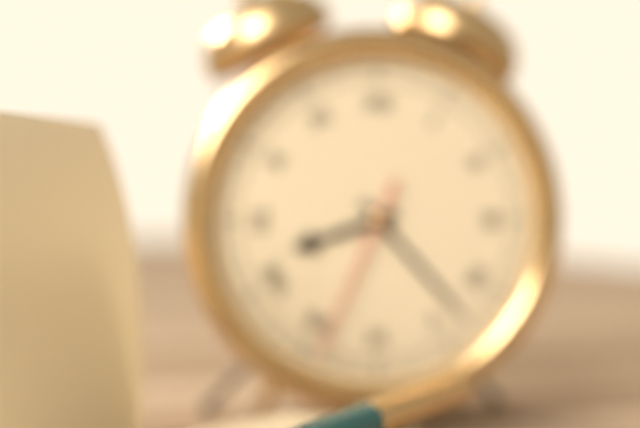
8:23:34
